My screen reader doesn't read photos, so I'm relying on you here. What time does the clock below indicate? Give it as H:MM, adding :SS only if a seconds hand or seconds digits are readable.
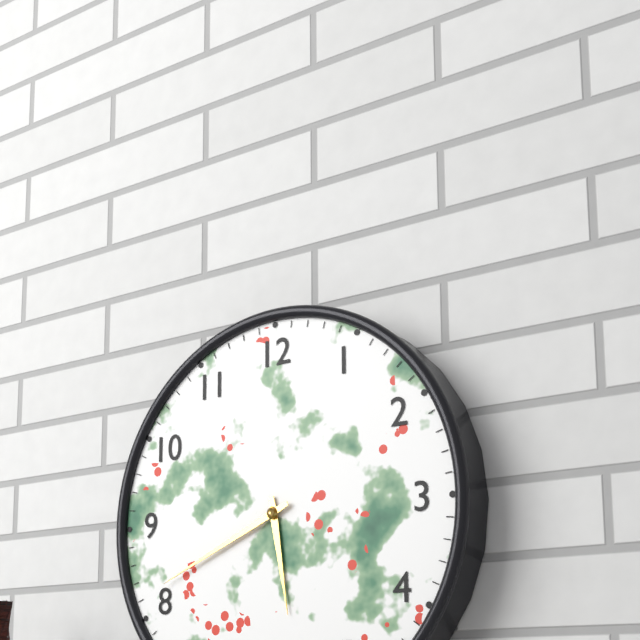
5:41
